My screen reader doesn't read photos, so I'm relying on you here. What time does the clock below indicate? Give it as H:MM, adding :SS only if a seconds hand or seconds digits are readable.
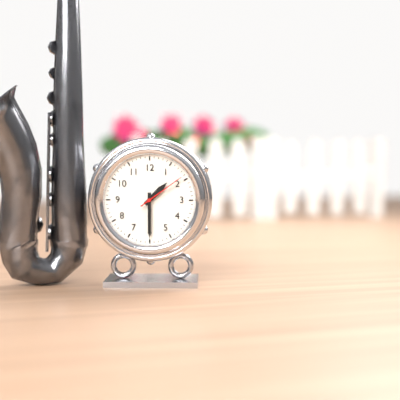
1:30
